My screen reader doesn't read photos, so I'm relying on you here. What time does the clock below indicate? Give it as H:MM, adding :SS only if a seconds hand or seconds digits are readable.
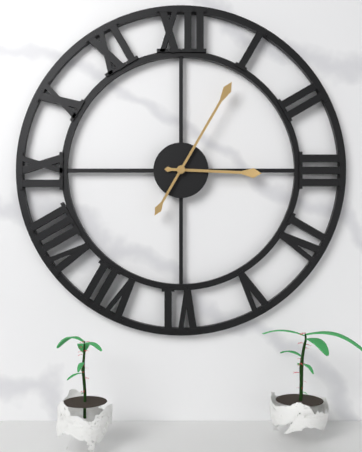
3:05
